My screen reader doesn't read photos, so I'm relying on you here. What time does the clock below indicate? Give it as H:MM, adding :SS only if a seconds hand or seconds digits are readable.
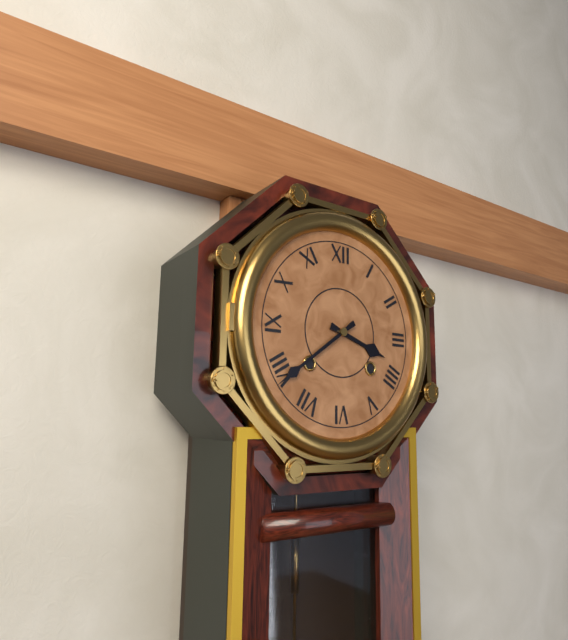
3:39
